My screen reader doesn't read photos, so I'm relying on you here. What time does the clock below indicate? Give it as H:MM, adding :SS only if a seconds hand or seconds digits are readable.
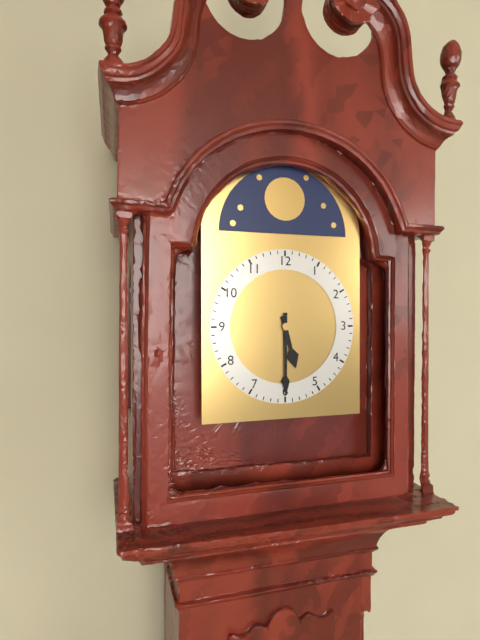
5:30
